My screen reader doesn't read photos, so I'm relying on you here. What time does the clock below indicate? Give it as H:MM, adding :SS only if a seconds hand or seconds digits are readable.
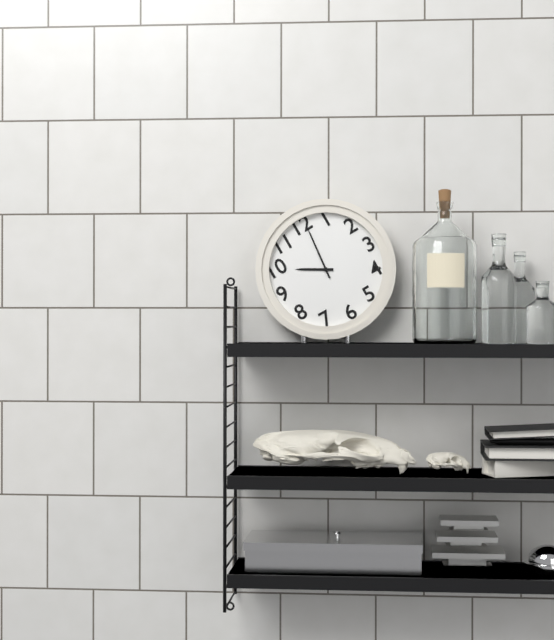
10:01
